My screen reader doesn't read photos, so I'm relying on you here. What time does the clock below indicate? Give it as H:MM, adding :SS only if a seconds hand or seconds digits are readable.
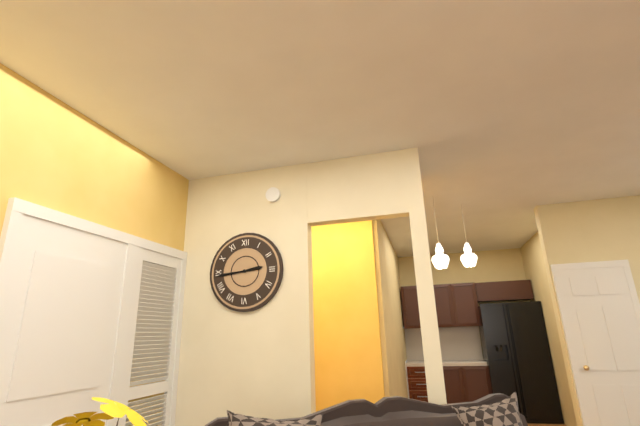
2:44
